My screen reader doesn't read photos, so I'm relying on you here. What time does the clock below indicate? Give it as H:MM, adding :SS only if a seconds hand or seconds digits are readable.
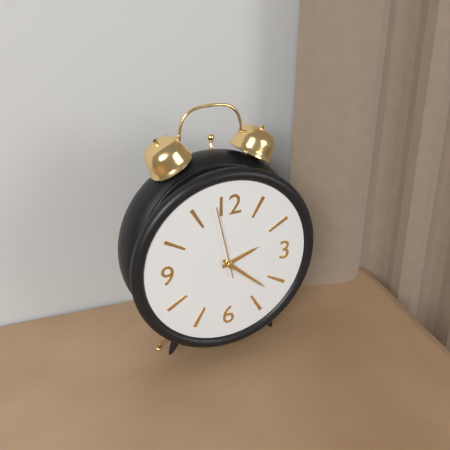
2:22:58
